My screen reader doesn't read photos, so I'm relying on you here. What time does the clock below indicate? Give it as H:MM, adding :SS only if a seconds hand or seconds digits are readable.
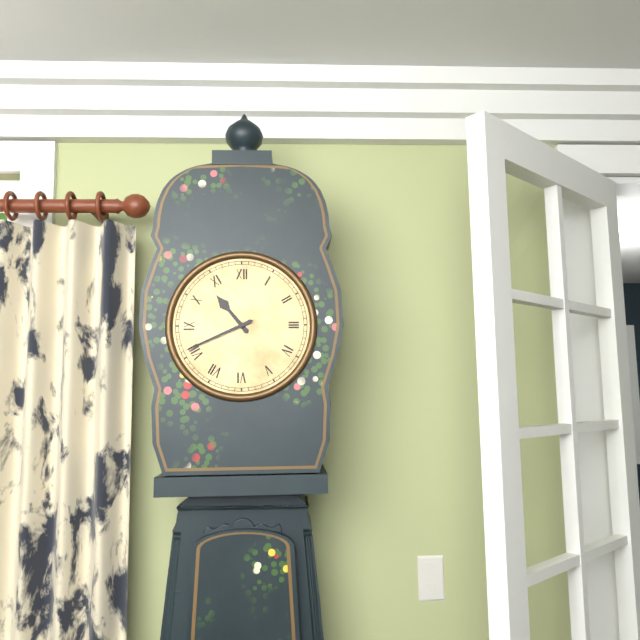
10:41
